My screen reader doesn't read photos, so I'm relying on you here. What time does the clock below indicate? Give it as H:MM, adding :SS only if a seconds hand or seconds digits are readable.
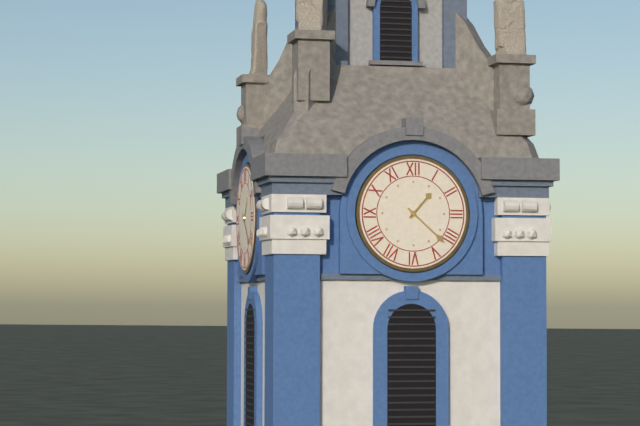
1:22
